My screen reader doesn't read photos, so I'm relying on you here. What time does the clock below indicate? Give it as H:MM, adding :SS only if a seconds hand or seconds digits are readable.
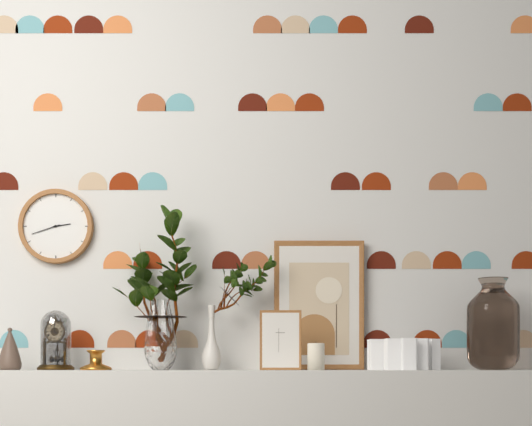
2:42
